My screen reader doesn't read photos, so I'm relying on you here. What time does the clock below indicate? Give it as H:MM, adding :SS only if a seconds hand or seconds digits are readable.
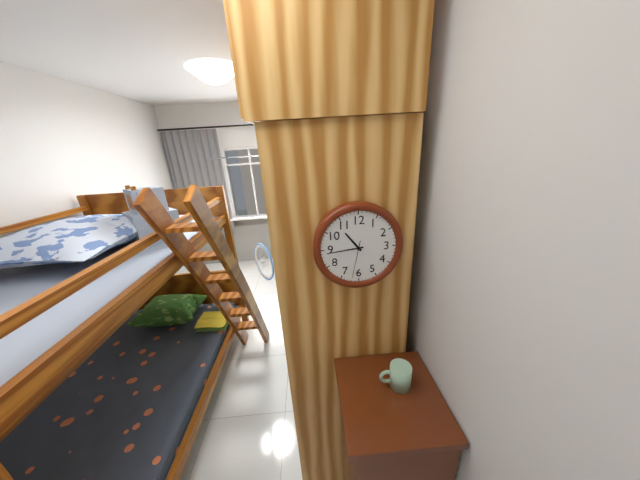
10:44
